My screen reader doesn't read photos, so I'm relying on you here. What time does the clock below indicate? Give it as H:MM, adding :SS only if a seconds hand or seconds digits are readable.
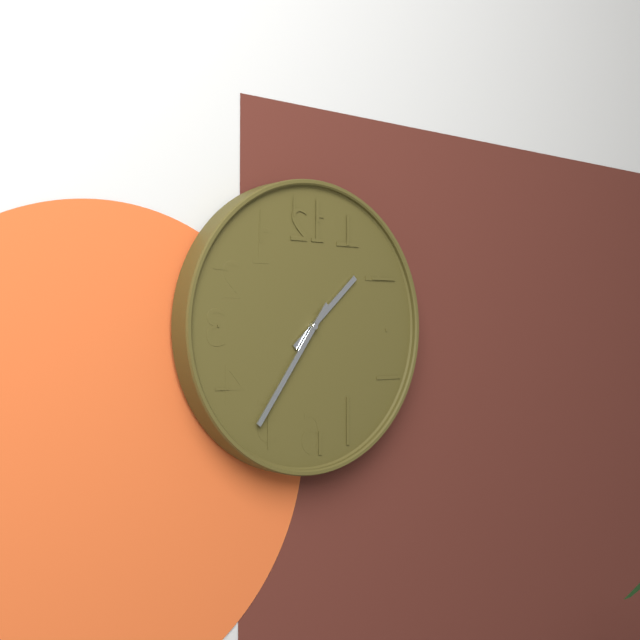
1:36
